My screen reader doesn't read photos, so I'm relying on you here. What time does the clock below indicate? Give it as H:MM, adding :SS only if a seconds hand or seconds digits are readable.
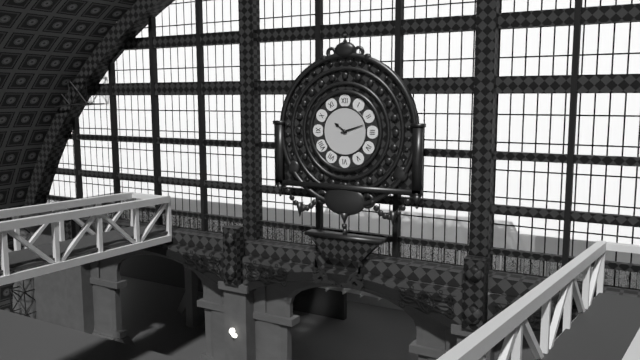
10:12
